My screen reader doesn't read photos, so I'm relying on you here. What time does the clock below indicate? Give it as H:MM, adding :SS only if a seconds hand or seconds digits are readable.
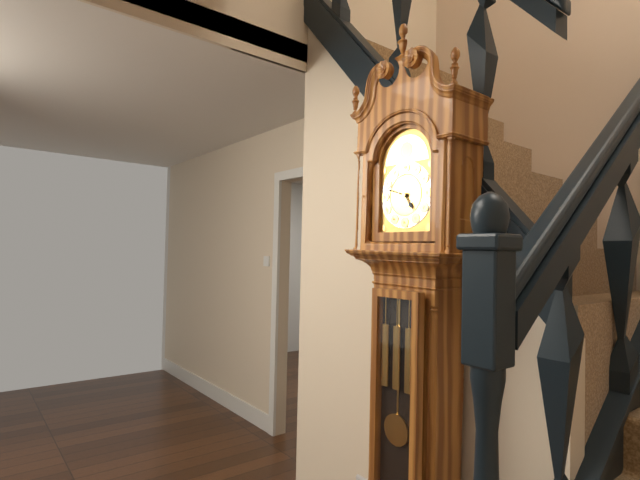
4:48
